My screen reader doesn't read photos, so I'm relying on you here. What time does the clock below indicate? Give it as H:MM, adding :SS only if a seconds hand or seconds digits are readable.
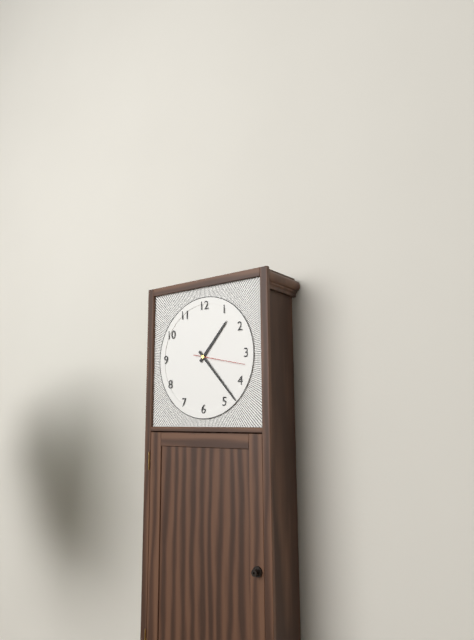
1:23:17
